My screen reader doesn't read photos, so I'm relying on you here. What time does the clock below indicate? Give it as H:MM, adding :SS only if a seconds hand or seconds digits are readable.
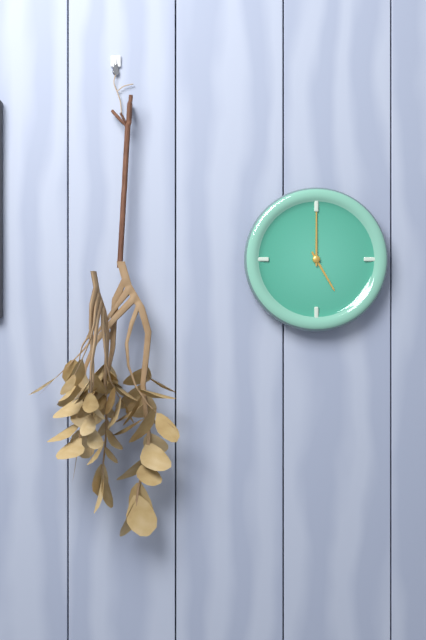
5:00
